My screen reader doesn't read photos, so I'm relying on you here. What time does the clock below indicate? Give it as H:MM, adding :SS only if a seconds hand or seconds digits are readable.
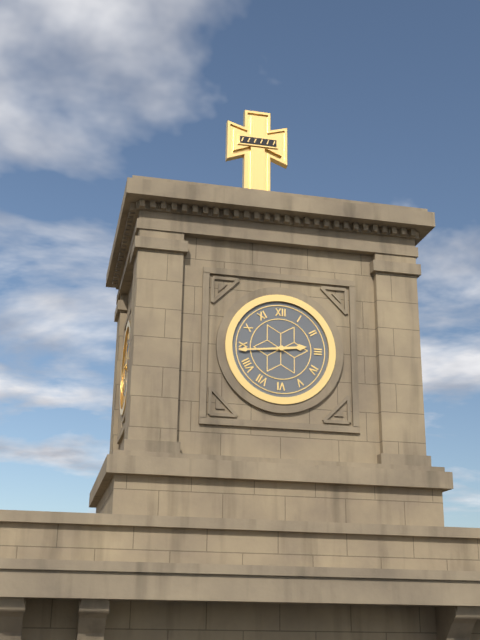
2:44
